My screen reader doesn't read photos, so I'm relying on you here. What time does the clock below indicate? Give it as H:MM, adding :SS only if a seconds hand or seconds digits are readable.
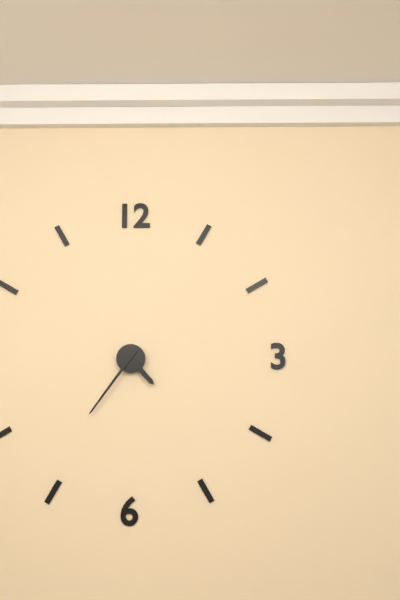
4:36
